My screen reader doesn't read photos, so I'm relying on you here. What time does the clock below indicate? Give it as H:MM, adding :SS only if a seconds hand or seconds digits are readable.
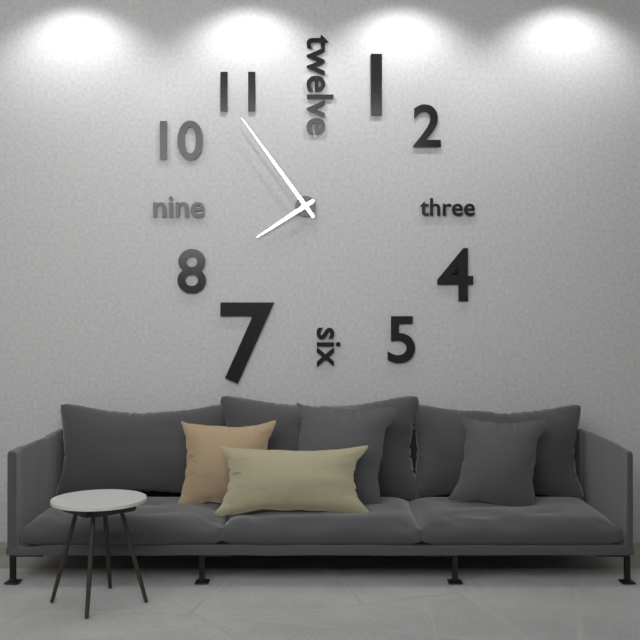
7:54
